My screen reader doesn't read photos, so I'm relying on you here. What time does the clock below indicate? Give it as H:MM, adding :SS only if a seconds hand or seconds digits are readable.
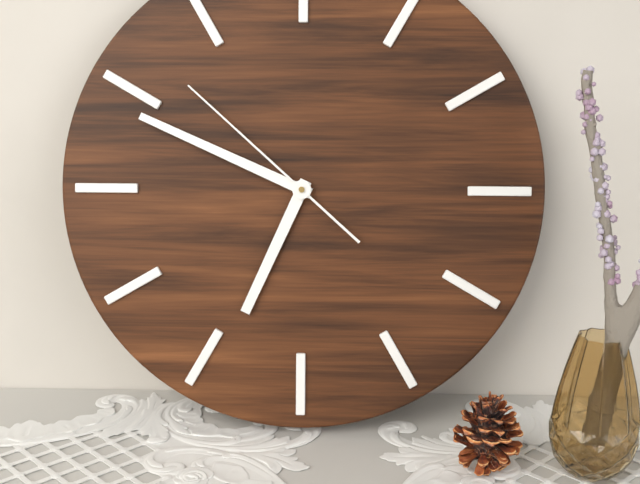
6:49:52
